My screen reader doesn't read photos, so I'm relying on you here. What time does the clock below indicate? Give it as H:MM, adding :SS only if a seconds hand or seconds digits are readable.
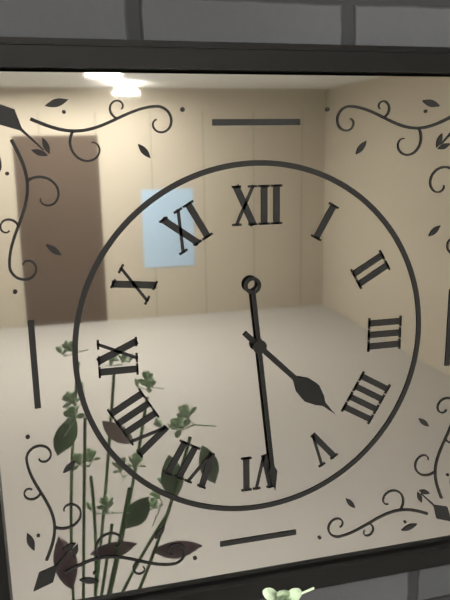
4:29
